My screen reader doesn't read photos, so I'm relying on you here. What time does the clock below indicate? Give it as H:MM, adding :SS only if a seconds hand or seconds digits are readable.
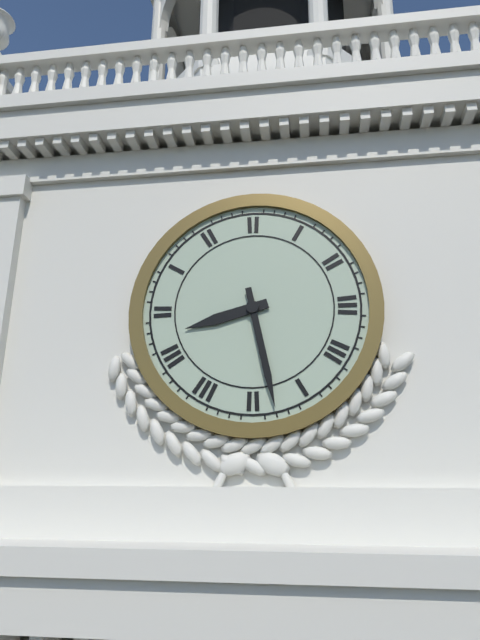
8:28
